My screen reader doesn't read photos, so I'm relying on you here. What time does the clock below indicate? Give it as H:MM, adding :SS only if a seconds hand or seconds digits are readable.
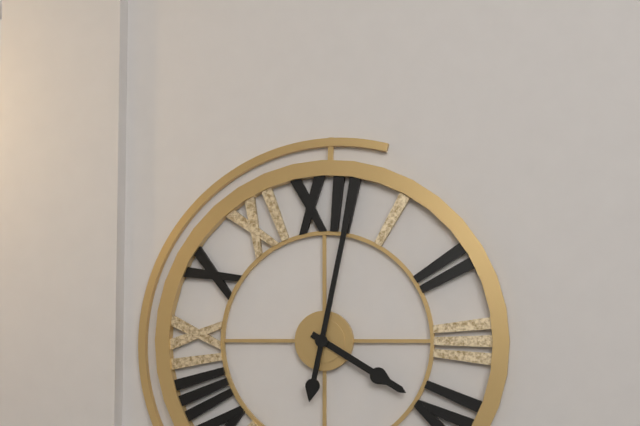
4:02
